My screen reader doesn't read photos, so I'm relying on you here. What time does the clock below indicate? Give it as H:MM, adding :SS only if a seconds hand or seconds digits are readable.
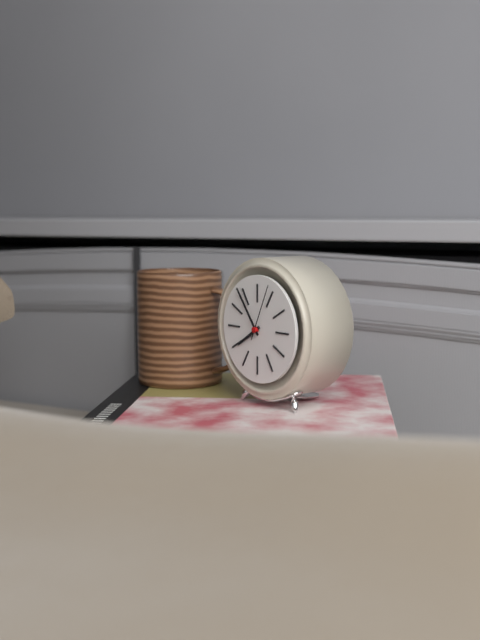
7:54:04
